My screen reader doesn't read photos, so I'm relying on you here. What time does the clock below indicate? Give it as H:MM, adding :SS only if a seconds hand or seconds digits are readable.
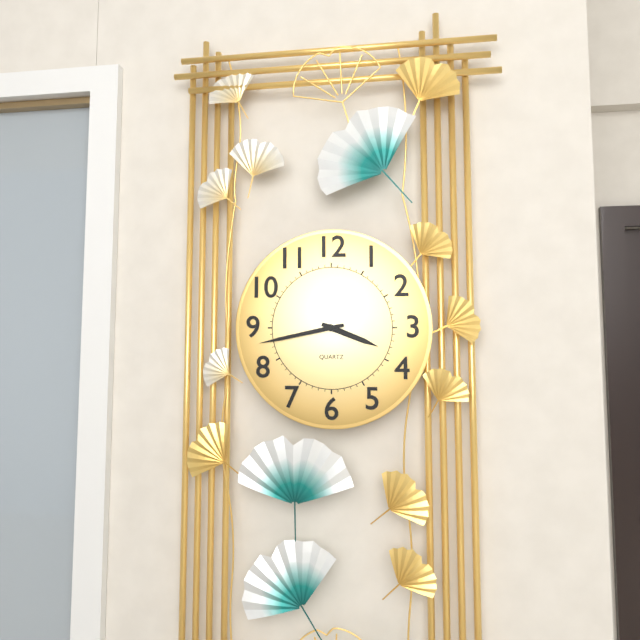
3:43
